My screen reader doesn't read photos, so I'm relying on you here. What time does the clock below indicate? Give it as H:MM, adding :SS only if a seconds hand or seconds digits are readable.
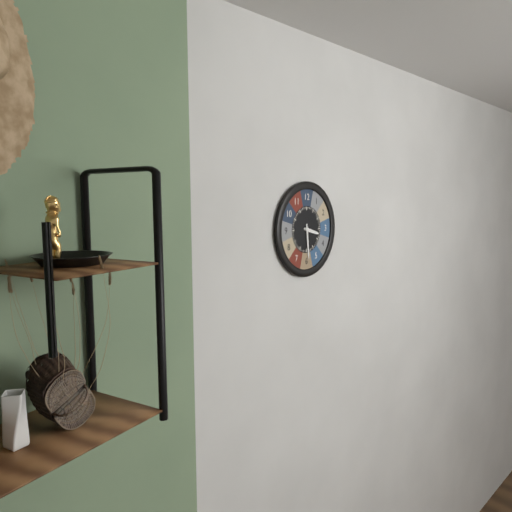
3:29
